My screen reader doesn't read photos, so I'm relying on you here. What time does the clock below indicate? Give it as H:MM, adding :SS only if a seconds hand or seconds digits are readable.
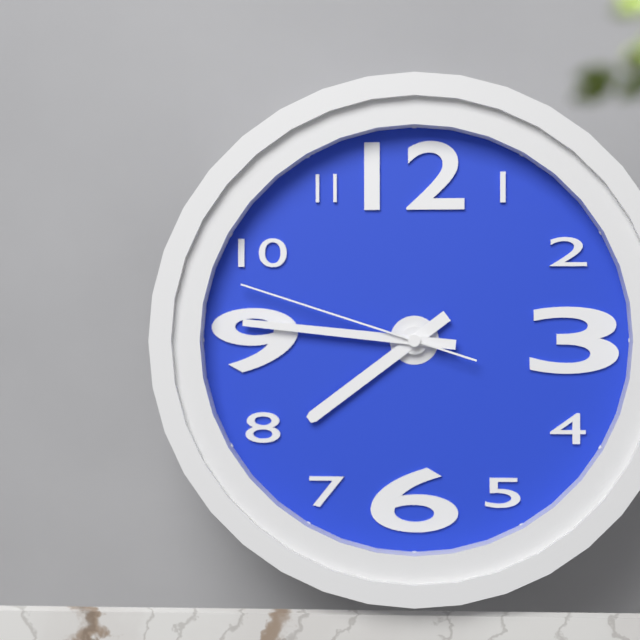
7:46:48
